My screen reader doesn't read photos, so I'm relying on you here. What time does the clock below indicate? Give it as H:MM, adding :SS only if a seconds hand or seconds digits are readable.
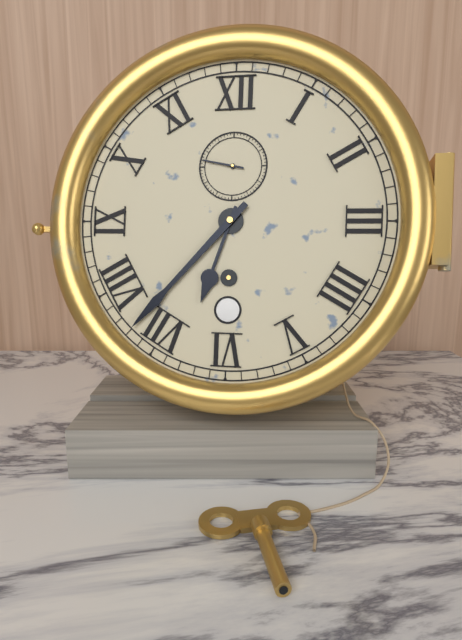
6:37
